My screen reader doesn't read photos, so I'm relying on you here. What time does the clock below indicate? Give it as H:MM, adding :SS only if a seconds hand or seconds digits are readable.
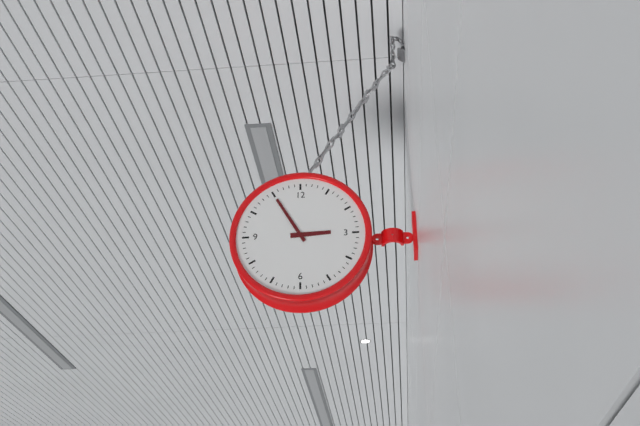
2:55
